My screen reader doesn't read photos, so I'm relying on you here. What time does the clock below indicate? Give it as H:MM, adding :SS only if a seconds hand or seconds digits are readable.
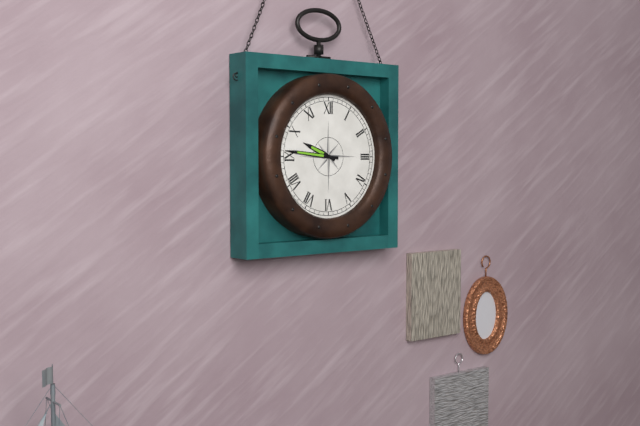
9:46
